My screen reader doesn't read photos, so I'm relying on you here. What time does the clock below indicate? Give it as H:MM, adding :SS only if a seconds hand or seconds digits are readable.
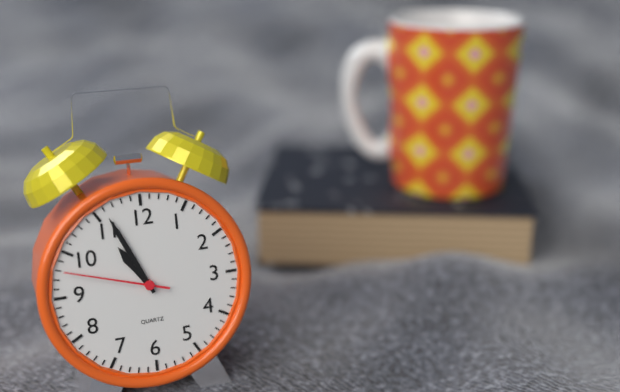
10:56:48
